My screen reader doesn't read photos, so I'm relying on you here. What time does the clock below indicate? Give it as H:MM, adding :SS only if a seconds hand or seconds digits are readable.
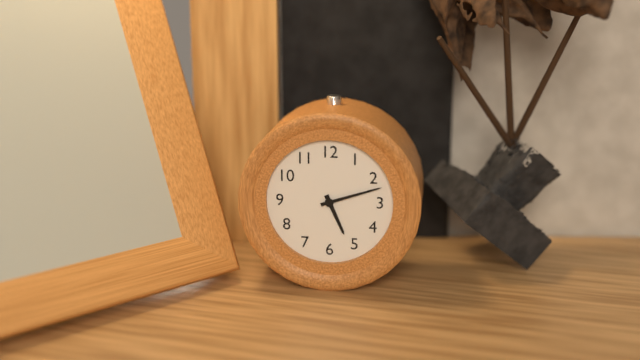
5:12
